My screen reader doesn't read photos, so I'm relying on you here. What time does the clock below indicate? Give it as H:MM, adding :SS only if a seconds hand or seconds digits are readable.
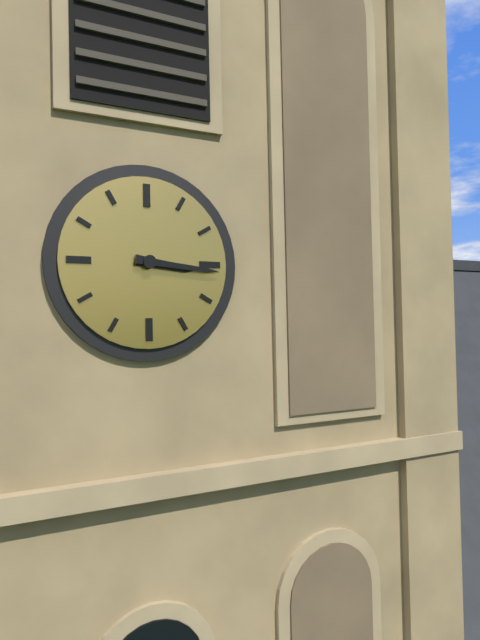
3:16
